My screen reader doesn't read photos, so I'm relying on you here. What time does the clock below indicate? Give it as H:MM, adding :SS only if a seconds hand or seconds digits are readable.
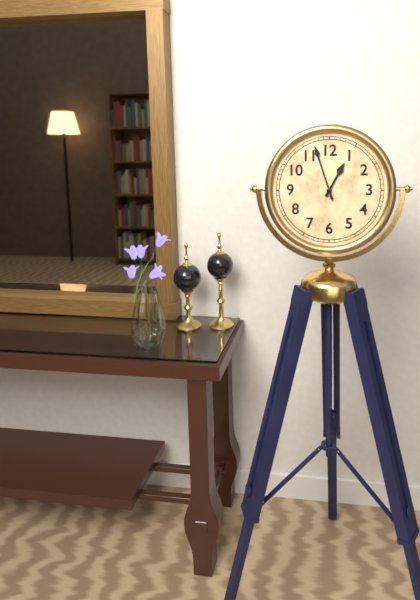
12:57
